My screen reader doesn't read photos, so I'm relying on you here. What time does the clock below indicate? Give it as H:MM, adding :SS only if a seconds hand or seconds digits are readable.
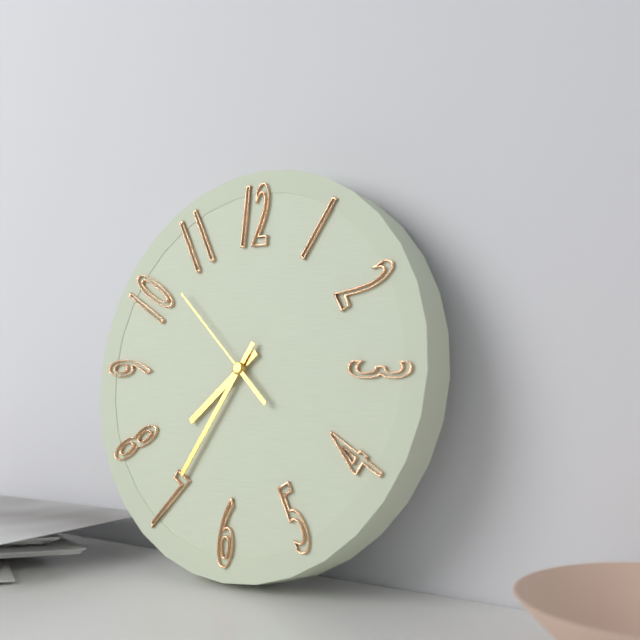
7:35:52
